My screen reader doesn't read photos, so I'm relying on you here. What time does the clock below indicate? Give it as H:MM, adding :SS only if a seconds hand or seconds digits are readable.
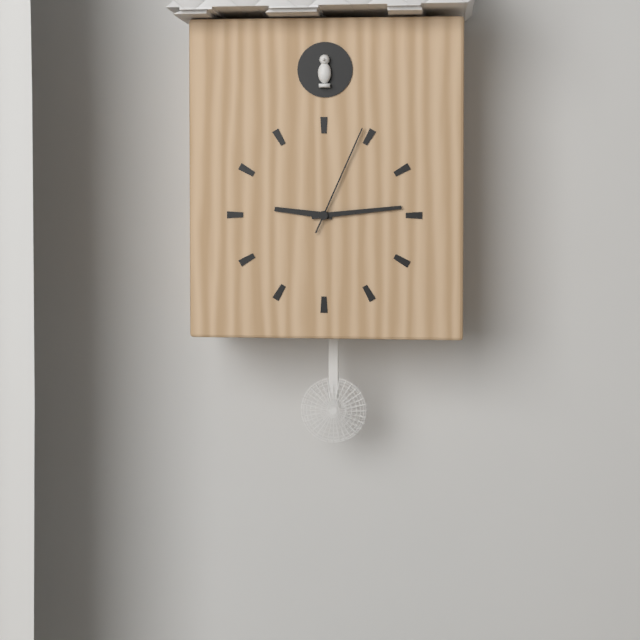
9:14:04
